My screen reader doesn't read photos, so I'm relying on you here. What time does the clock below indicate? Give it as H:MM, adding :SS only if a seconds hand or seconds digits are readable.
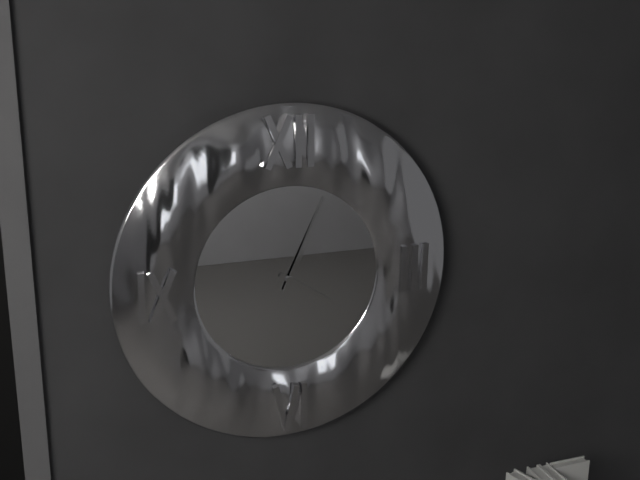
4:04
